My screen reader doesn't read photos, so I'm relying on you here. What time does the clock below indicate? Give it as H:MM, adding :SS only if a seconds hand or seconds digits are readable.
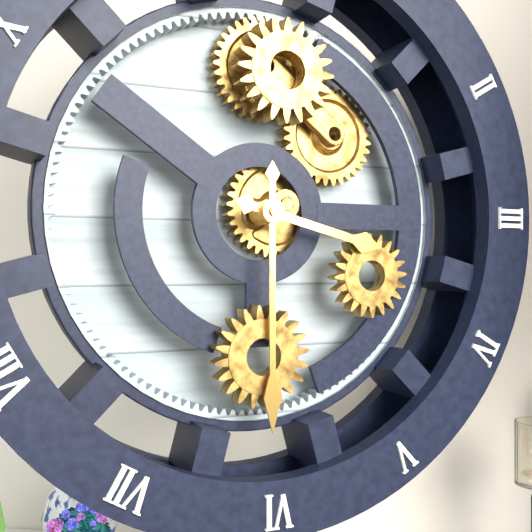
3:30
